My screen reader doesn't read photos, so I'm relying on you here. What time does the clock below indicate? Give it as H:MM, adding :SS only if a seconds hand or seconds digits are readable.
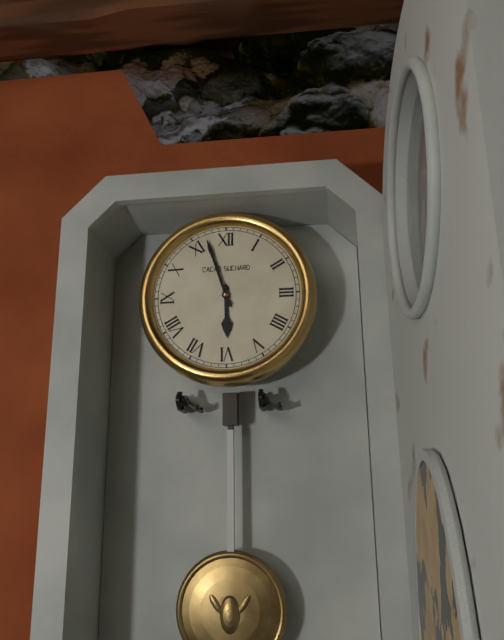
5:57
